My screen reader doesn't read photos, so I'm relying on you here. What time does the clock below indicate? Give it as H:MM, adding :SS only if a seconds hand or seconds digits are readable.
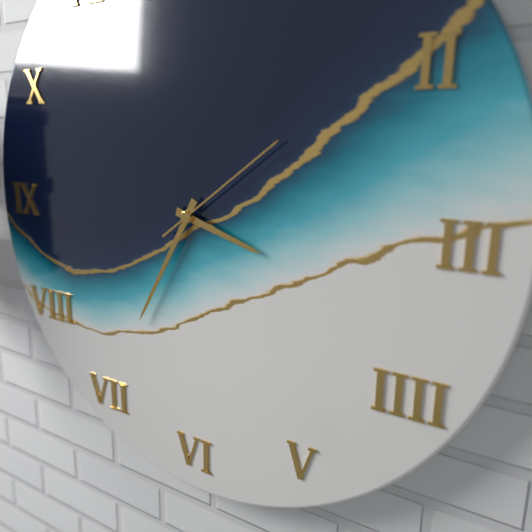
3:35:09
